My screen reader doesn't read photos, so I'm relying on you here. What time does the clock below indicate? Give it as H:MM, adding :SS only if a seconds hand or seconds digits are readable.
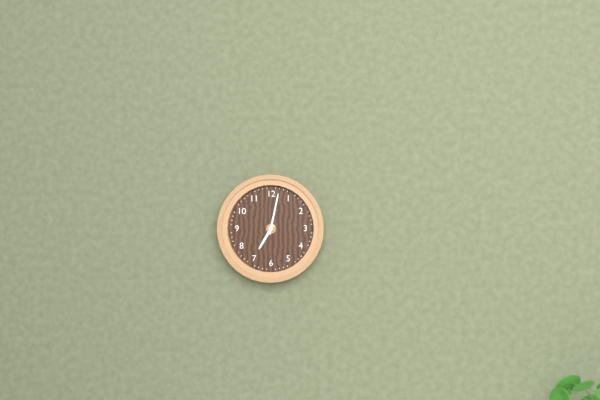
7:02
